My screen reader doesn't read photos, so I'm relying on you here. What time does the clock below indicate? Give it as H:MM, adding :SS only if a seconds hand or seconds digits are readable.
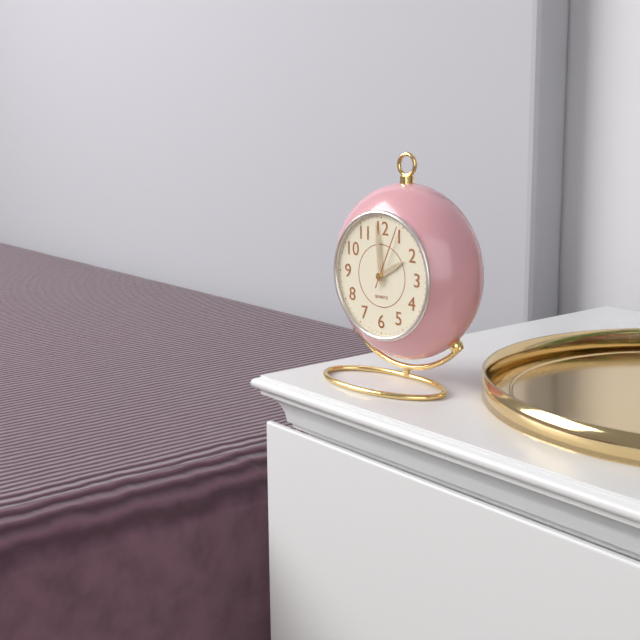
1:59:04
